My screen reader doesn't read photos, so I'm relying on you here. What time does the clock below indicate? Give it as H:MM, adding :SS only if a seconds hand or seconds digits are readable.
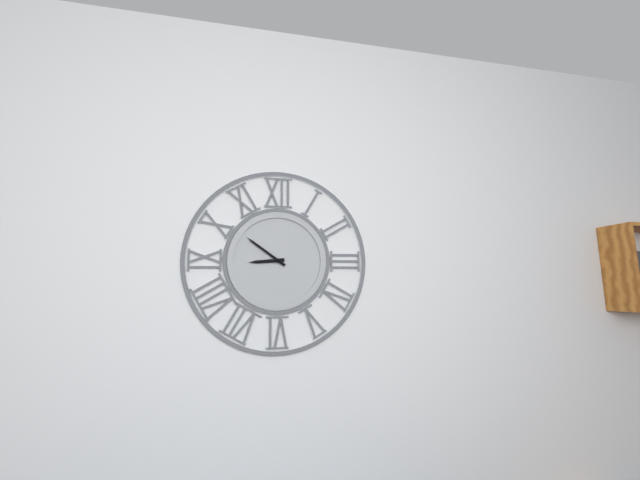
8:51
